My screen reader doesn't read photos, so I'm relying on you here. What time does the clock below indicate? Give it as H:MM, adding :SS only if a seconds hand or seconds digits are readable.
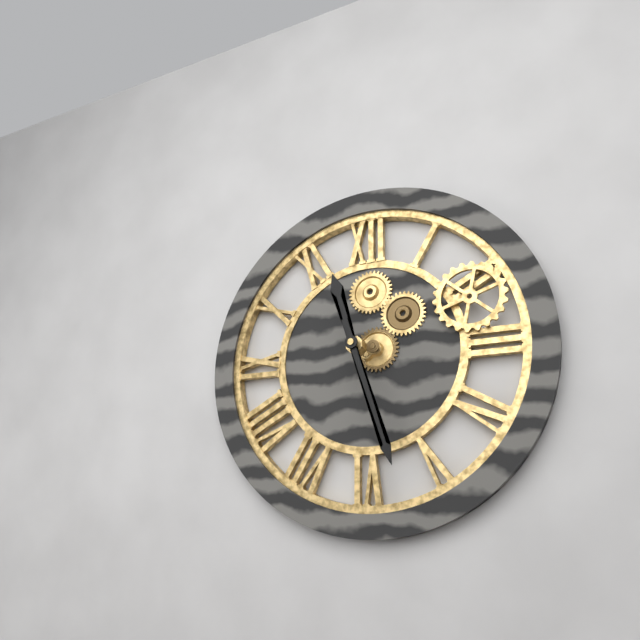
11:27
